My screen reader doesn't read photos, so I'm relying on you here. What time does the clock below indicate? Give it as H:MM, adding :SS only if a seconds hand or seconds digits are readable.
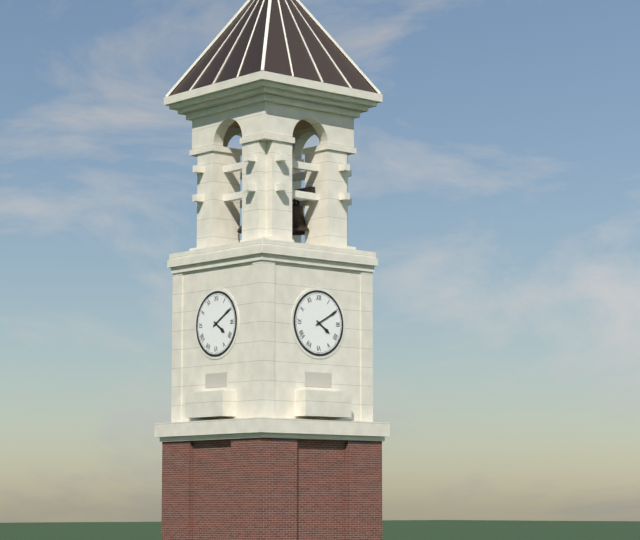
4:10
